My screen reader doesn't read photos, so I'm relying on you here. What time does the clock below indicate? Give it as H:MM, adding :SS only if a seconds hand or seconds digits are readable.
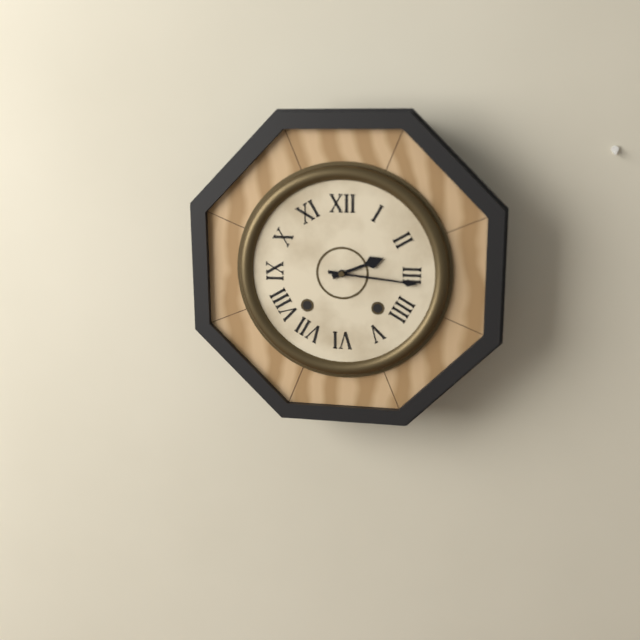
2:16
